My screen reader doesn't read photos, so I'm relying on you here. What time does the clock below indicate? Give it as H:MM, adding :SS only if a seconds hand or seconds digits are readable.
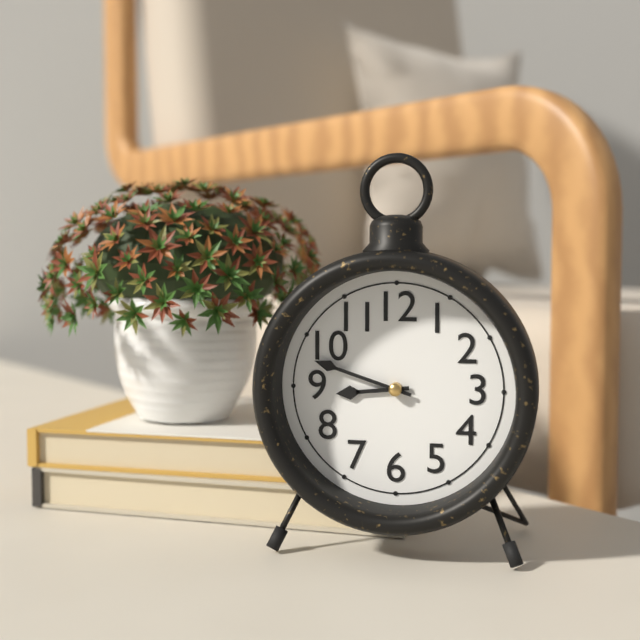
8:48
